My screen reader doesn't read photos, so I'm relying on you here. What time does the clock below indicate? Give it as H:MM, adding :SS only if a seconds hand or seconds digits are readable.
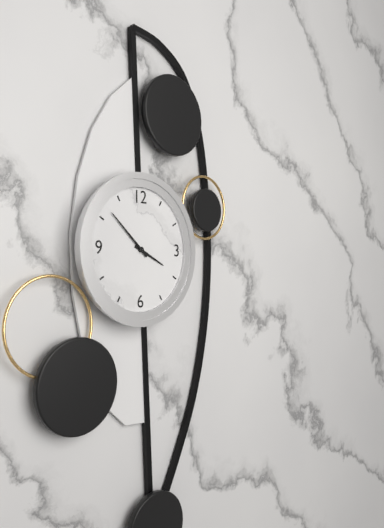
3:52
